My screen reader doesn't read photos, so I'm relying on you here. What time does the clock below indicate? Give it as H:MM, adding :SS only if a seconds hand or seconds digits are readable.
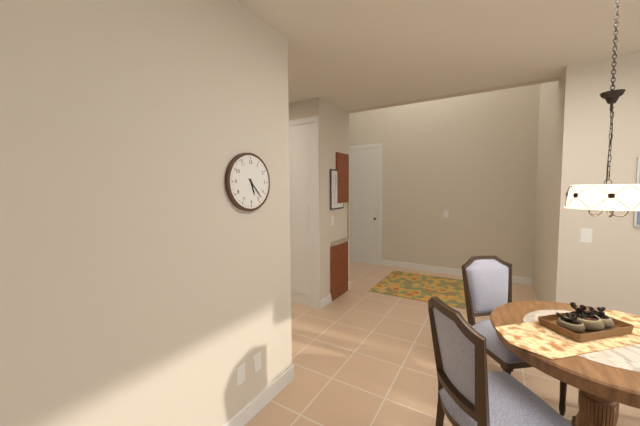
5:23
